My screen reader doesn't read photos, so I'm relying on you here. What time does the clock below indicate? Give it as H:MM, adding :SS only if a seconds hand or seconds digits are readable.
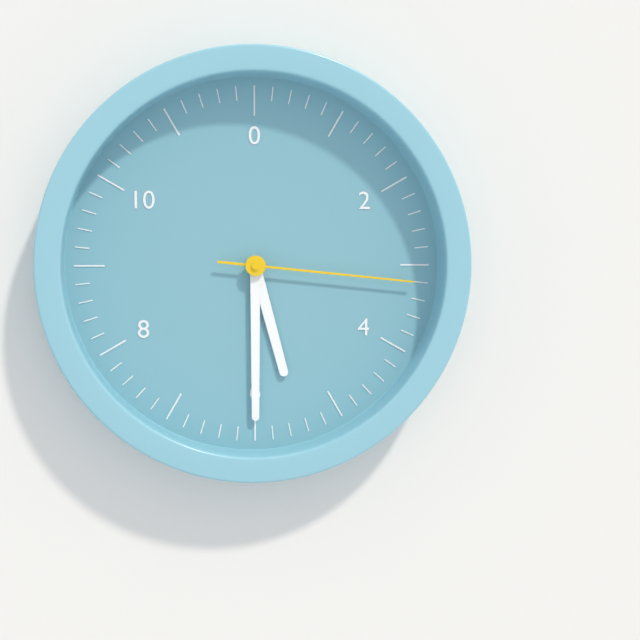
5:30:16
